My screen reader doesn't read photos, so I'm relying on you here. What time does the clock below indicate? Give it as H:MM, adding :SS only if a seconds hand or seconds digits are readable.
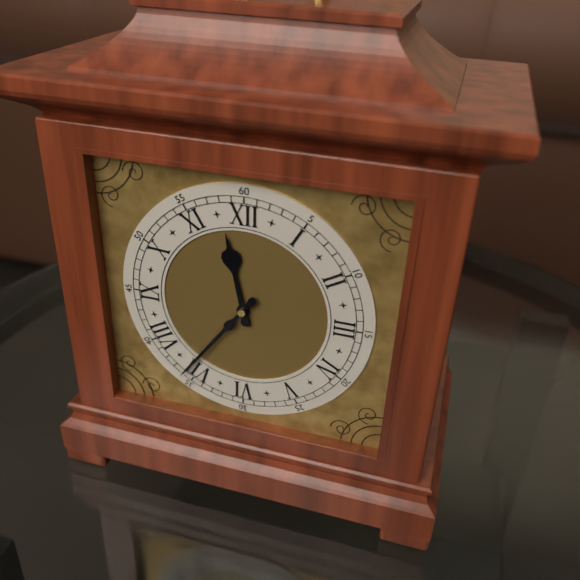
11:36
